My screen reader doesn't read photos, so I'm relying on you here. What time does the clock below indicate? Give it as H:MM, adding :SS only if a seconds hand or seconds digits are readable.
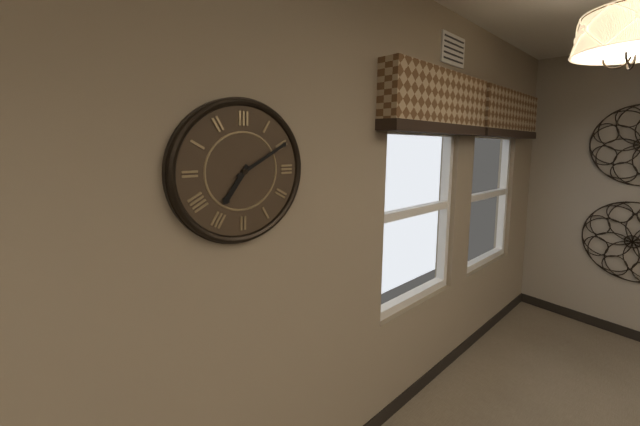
7:10
